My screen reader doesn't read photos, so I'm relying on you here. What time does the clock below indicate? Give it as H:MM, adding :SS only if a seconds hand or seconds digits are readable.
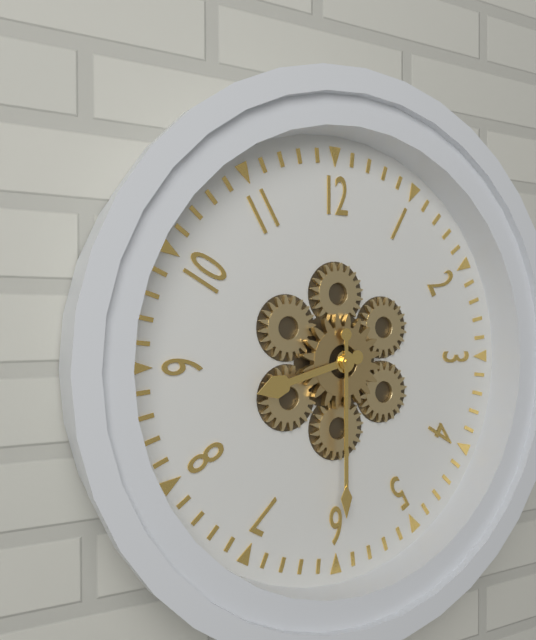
8:30
